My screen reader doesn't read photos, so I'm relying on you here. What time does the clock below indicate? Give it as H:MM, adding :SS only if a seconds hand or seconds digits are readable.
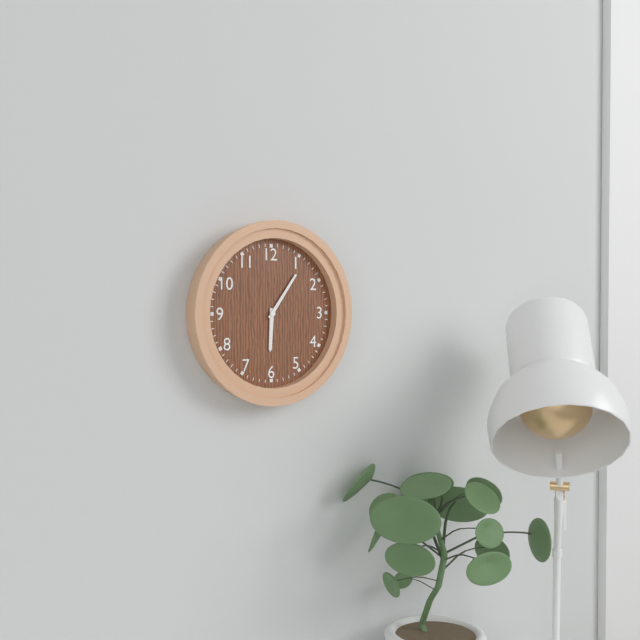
6:06
